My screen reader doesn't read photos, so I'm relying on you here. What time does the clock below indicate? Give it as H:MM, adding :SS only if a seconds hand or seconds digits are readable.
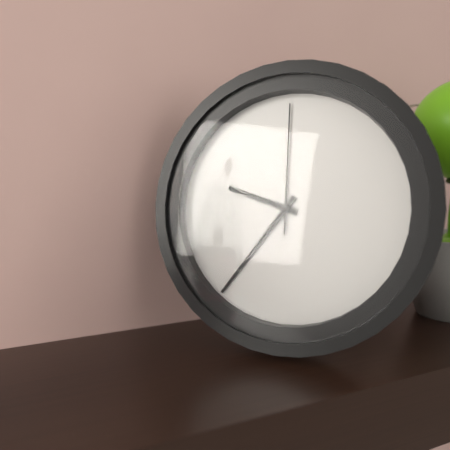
9:36:00
